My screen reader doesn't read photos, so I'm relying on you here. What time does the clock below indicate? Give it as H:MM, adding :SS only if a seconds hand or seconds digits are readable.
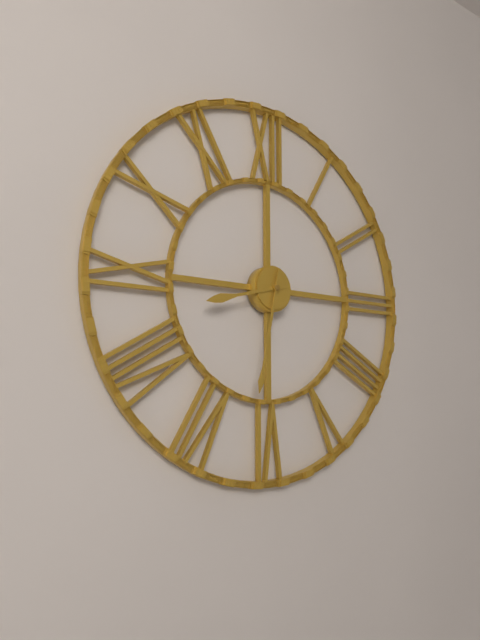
8:32
